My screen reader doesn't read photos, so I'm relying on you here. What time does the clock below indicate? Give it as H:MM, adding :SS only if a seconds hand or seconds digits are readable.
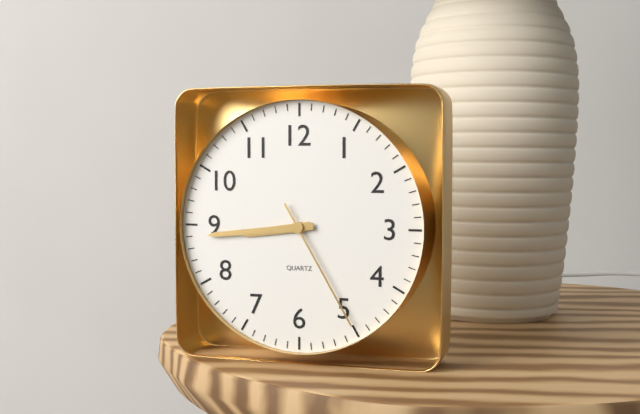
8:44:25
